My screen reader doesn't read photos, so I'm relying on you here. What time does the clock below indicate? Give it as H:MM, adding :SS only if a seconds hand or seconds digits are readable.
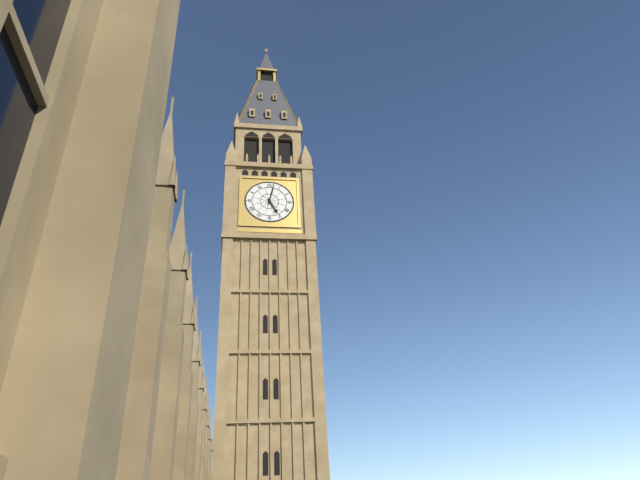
5:02
